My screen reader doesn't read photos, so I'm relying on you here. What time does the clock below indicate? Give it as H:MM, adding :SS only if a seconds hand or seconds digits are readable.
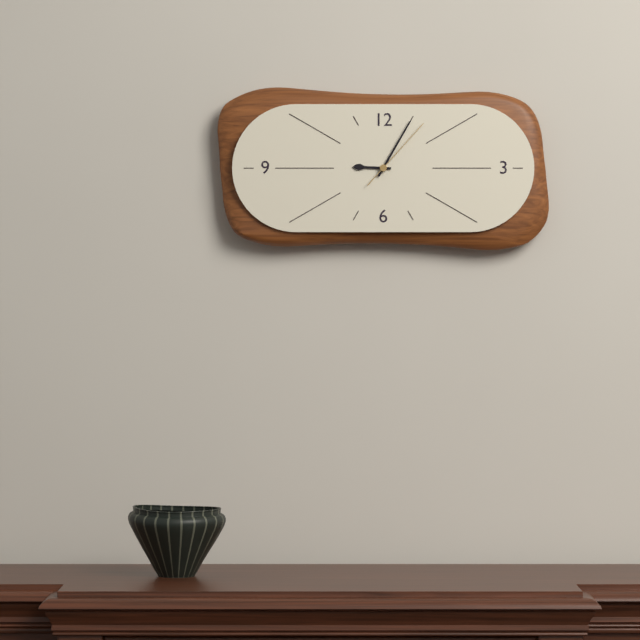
9:05:07
